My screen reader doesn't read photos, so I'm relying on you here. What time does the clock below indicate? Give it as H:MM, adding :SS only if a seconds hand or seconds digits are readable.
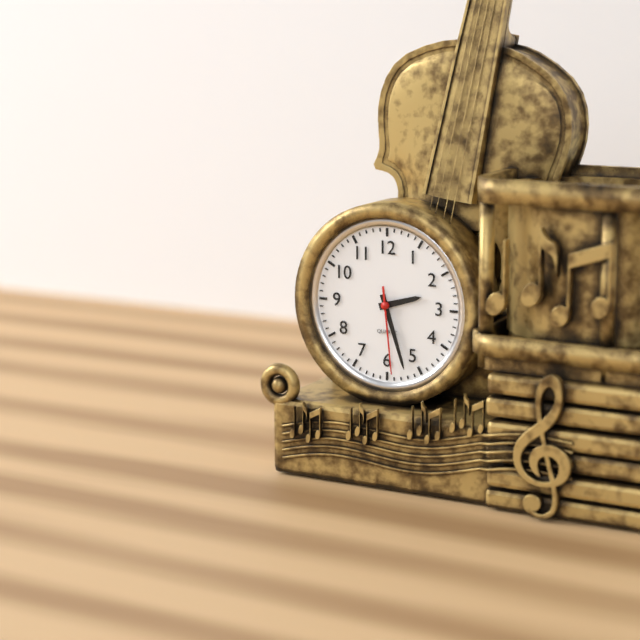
2:27:29
